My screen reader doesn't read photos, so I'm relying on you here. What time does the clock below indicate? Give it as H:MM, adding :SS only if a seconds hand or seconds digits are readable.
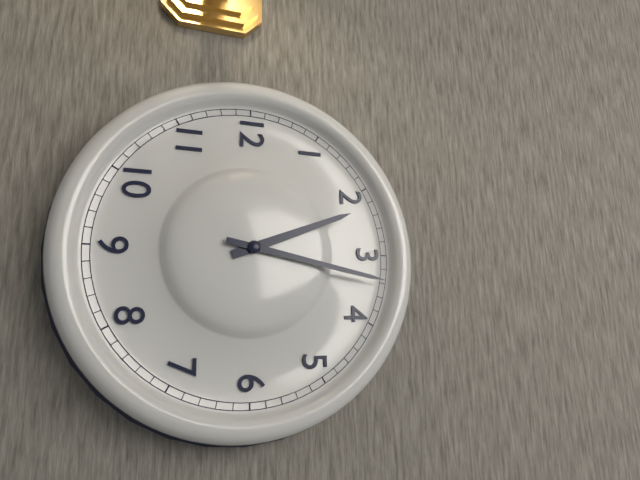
2:17
